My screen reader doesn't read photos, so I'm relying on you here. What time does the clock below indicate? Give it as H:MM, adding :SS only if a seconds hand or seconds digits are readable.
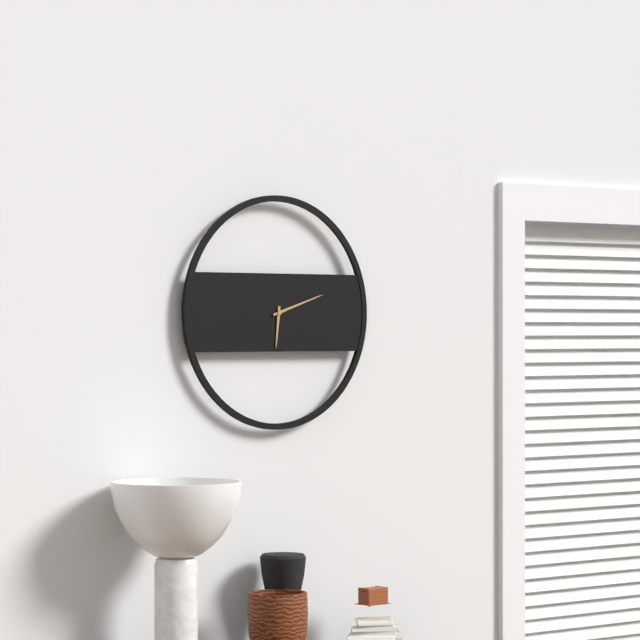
6:12
